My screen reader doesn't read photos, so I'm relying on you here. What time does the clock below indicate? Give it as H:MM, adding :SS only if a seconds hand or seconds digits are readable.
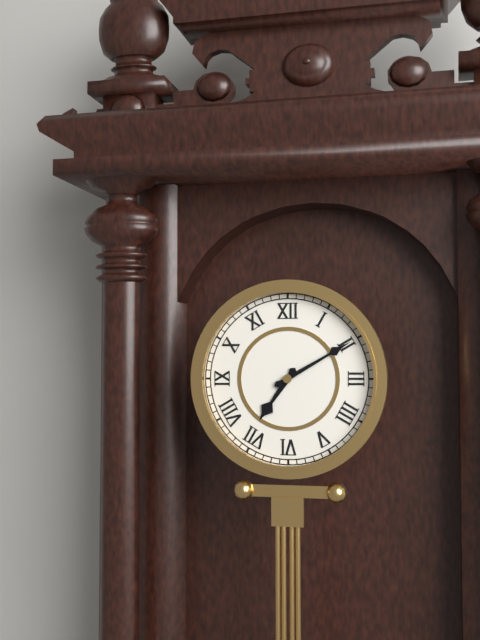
7:10
